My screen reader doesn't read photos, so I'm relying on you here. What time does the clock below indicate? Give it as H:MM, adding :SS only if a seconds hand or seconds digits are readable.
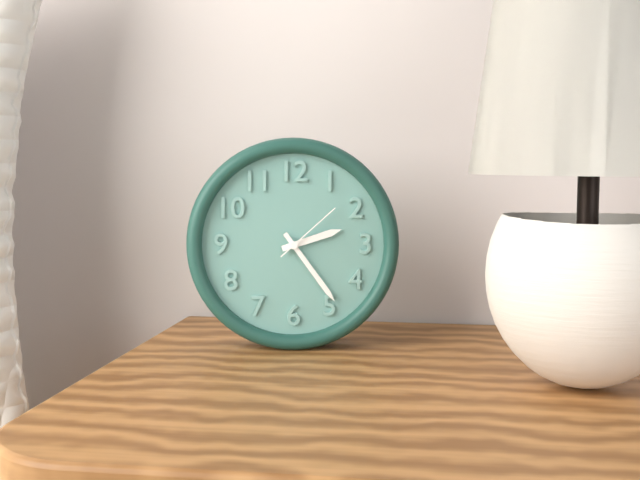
2:24:08
